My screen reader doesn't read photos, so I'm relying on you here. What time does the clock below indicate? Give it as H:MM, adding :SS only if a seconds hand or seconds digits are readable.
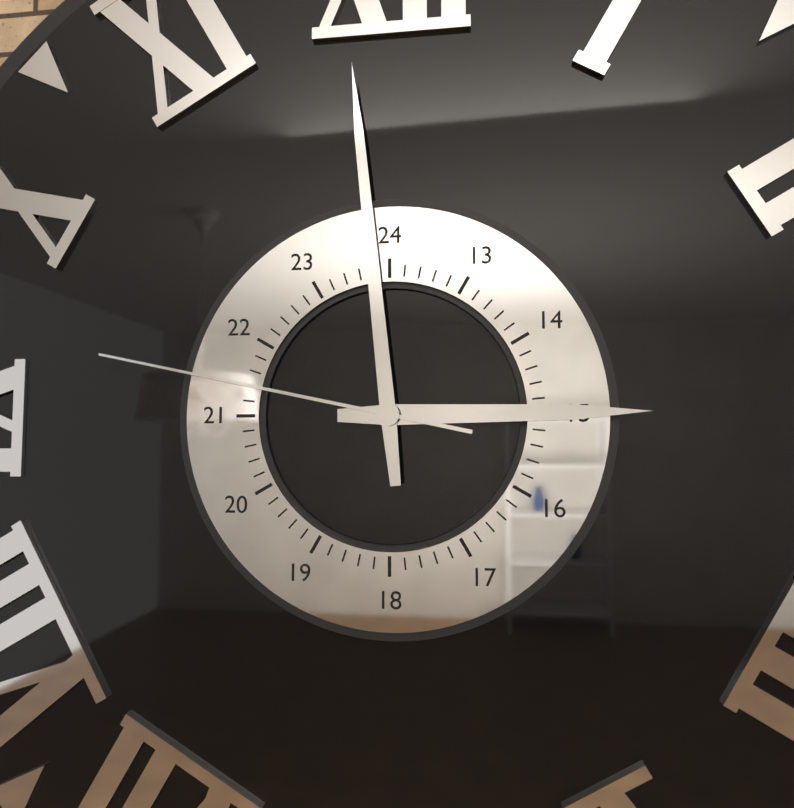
2:59:47
